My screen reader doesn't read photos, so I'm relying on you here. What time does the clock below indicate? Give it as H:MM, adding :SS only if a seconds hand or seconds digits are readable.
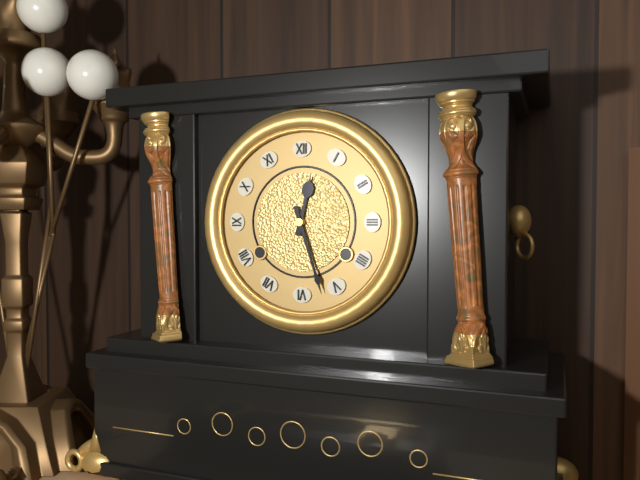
12:27
